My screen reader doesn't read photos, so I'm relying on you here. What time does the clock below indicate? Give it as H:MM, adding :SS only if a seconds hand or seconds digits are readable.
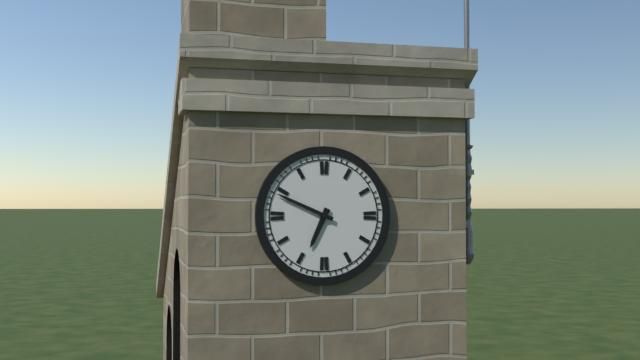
6:49
